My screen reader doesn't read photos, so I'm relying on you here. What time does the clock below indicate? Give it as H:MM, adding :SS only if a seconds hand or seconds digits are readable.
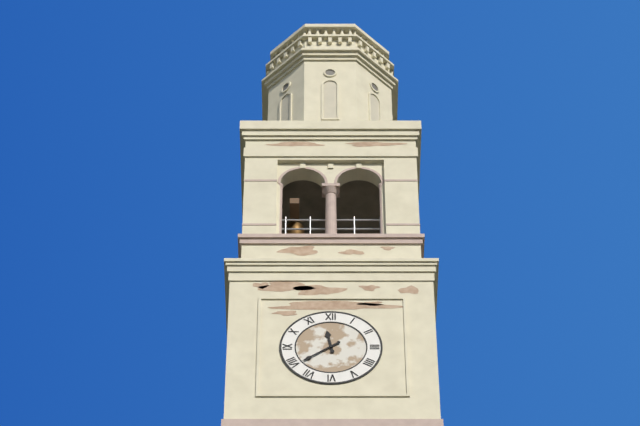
11:39
